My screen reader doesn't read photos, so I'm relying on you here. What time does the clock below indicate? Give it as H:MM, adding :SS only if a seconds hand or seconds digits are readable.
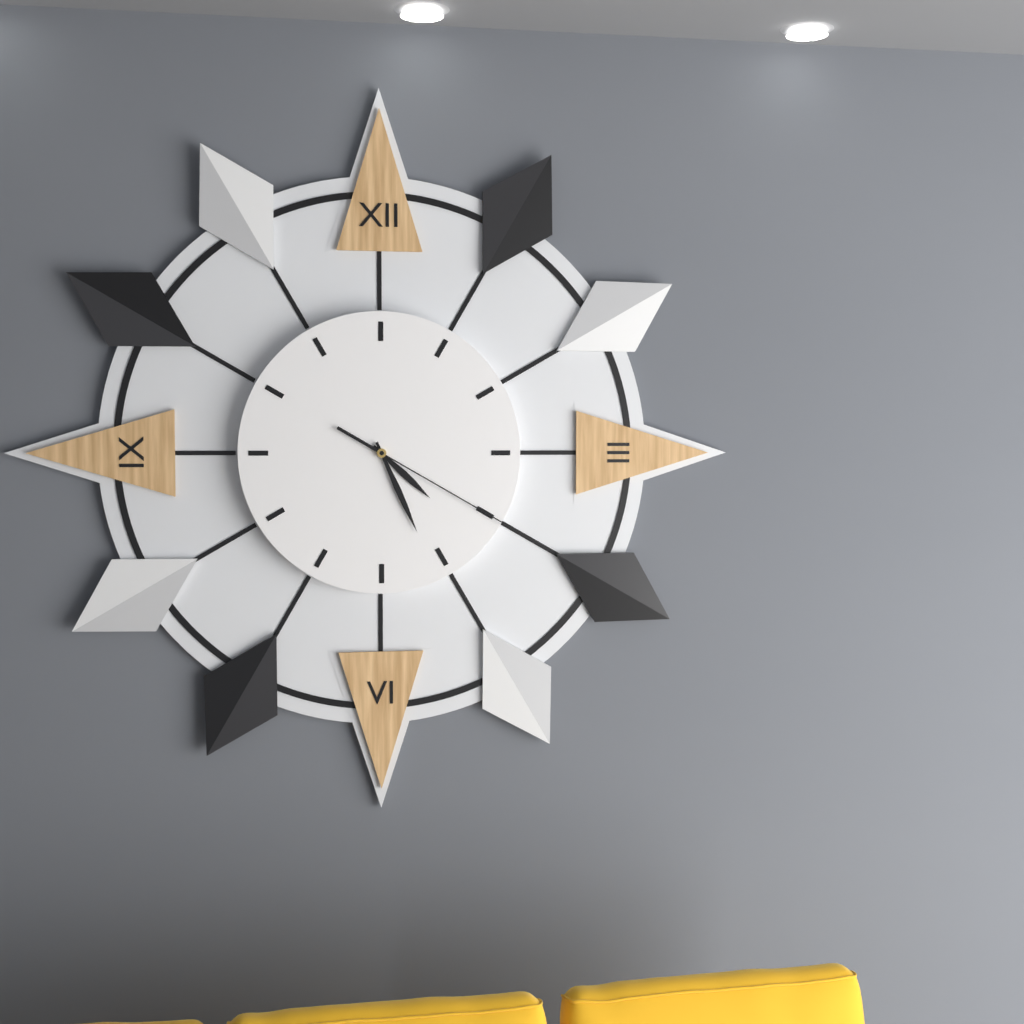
4:26:20
